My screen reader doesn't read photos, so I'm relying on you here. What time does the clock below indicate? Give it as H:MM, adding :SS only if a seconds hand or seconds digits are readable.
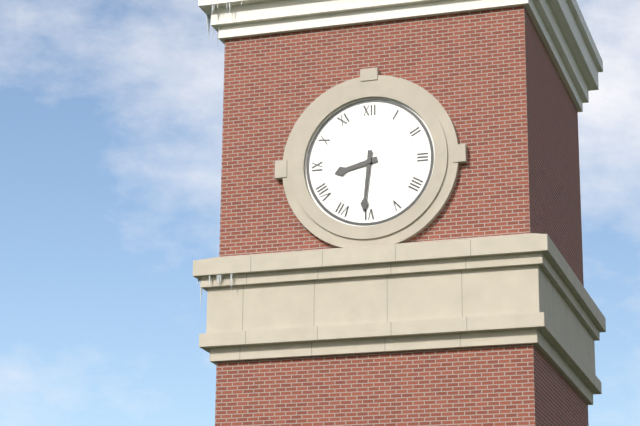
8:31
